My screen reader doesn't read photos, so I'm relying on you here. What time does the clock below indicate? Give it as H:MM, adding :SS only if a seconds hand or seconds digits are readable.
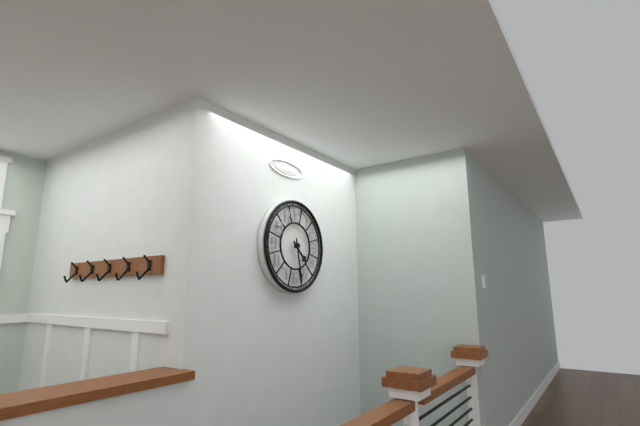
4:28
